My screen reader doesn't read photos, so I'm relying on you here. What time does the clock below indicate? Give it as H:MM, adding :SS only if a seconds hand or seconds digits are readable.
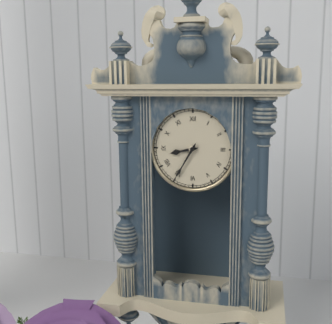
8:35
